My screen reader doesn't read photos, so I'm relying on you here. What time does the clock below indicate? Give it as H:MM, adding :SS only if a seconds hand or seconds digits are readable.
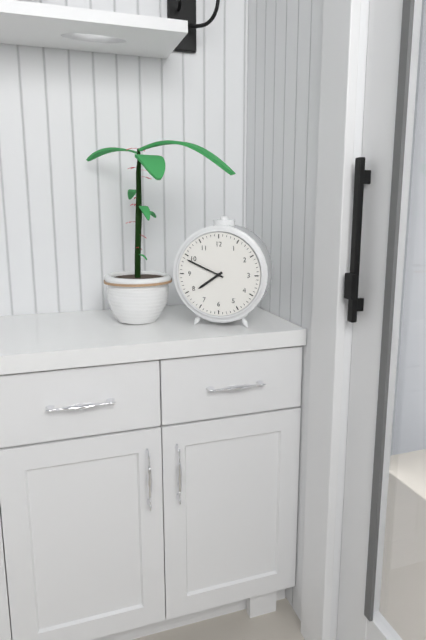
7:49
